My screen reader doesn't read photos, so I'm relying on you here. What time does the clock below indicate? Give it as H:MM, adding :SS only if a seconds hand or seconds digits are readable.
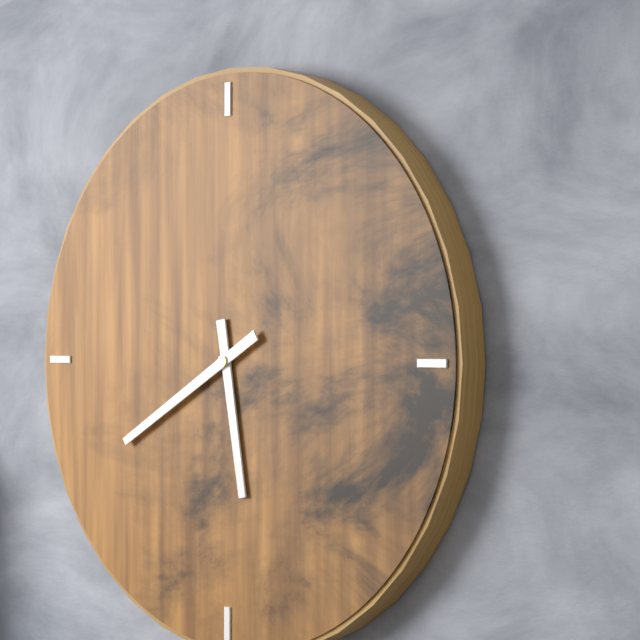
5:40
